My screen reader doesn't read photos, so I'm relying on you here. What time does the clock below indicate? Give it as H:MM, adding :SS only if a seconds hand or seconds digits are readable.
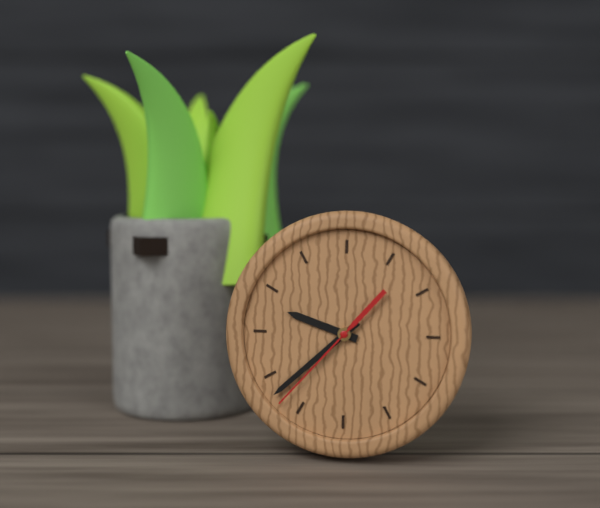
9:38:37
